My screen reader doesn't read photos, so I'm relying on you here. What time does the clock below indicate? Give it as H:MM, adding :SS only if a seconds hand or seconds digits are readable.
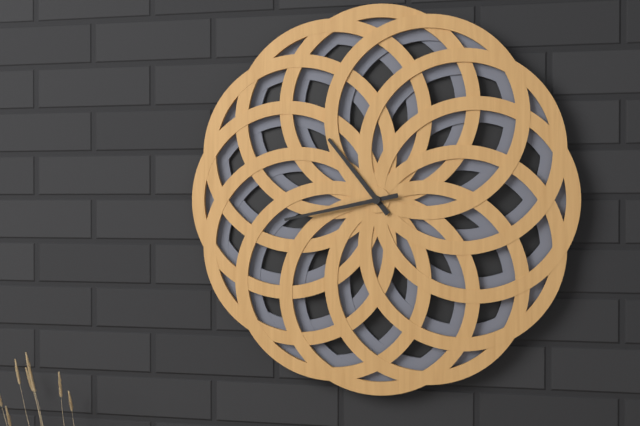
10:43
